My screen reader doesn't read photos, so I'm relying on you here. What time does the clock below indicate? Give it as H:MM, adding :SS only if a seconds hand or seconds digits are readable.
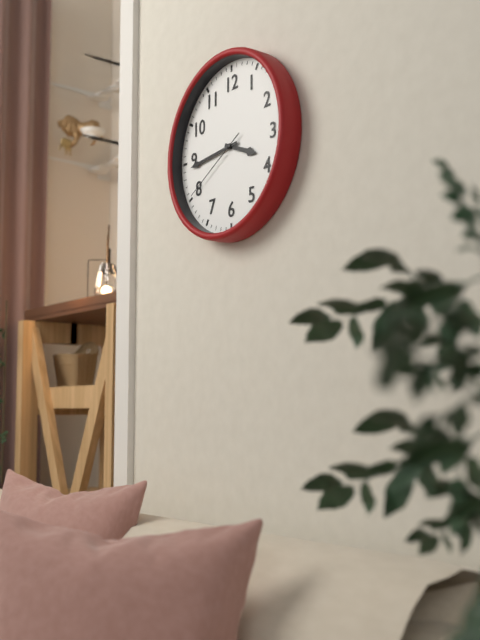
3:44:40
